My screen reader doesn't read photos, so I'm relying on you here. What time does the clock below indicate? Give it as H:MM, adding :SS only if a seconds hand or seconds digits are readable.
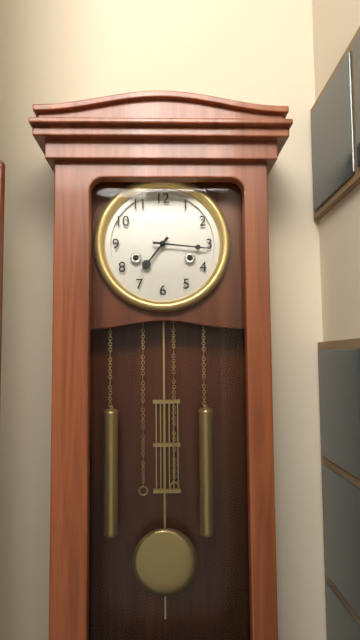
7:16
